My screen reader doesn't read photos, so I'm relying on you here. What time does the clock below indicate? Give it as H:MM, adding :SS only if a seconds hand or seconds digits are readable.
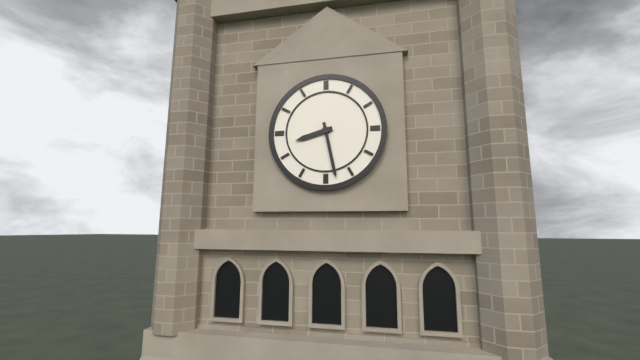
8:28
